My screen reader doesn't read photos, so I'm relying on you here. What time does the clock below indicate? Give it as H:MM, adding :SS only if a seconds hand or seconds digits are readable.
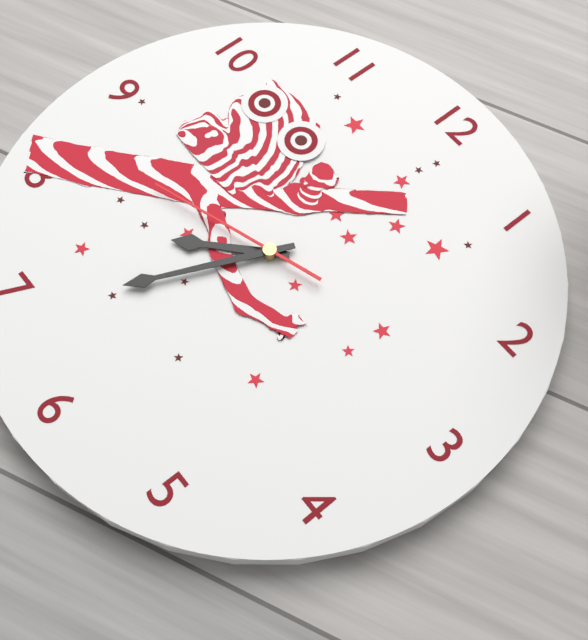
7:34:42
